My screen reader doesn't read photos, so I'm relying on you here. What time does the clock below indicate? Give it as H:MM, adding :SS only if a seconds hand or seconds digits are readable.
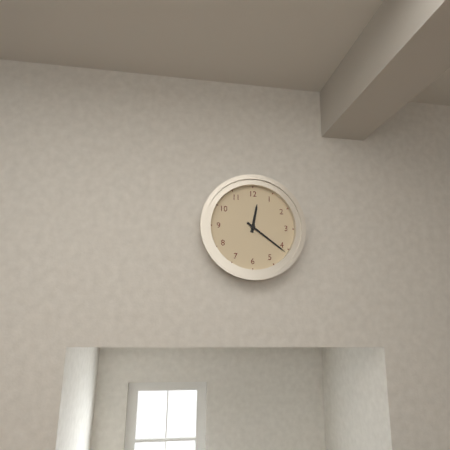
12:21
